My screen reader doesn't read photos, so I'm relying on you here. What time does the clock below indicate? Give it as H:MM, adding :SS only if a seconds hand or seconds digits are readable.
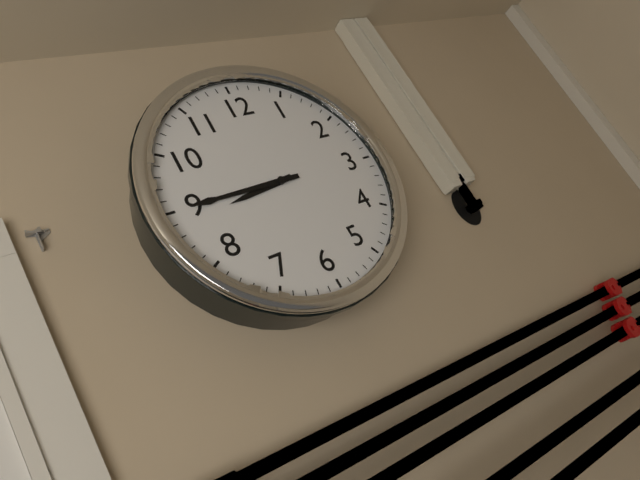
8:45
